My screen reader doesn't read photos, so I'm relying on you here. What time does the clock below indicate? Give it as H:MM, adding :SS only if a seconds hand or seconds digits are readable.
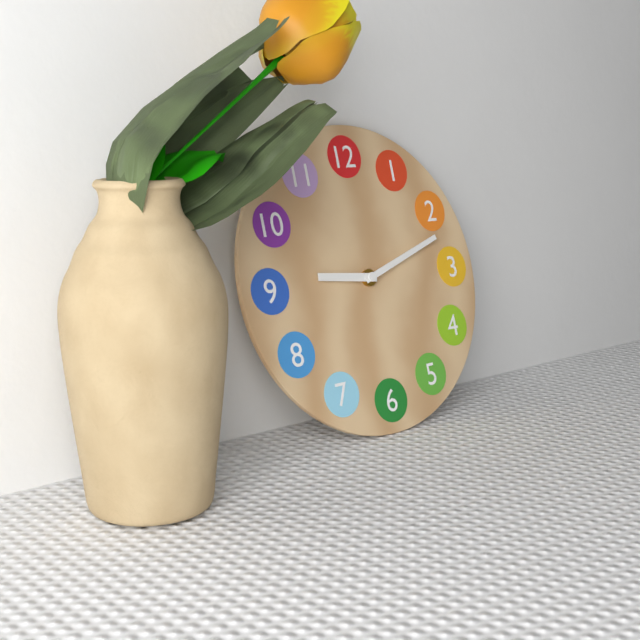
9:12
